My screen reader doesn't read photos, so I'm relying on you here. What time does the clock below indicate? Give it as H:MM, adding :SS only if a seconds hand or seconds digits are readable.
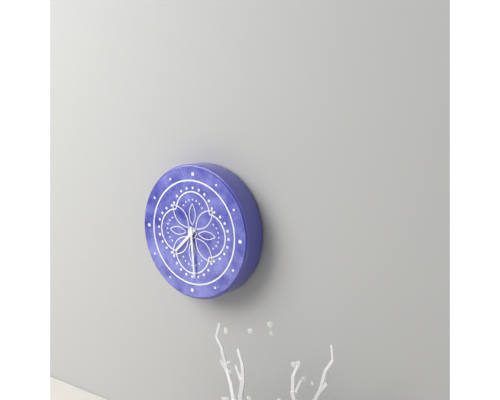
7:29
